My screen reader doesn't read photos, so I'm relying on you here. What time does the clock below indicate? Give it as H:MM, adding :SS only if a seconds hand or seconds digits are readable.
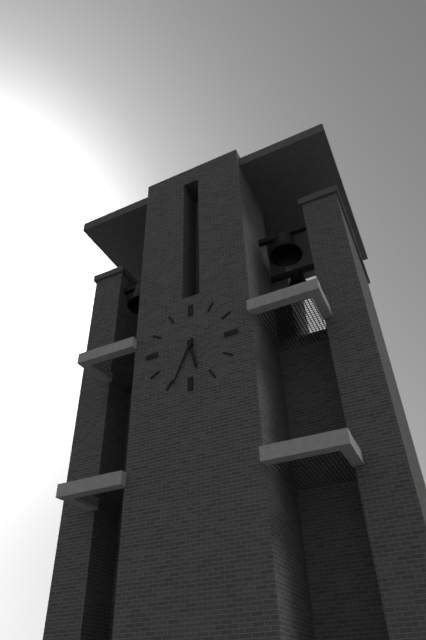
5:34
